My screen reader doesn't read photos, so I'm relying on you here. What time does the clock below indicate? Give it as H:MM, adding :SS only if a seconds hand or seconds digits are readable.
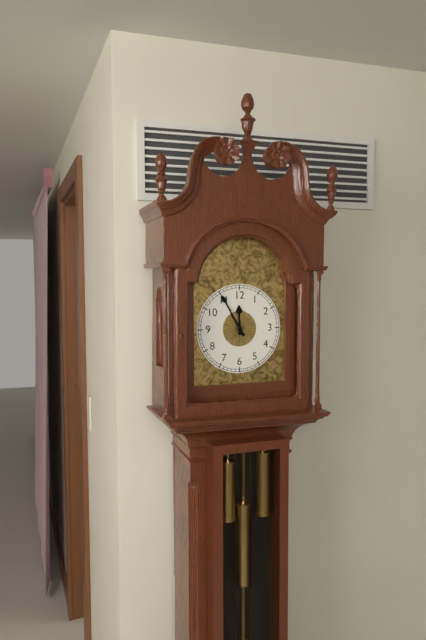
11:55
